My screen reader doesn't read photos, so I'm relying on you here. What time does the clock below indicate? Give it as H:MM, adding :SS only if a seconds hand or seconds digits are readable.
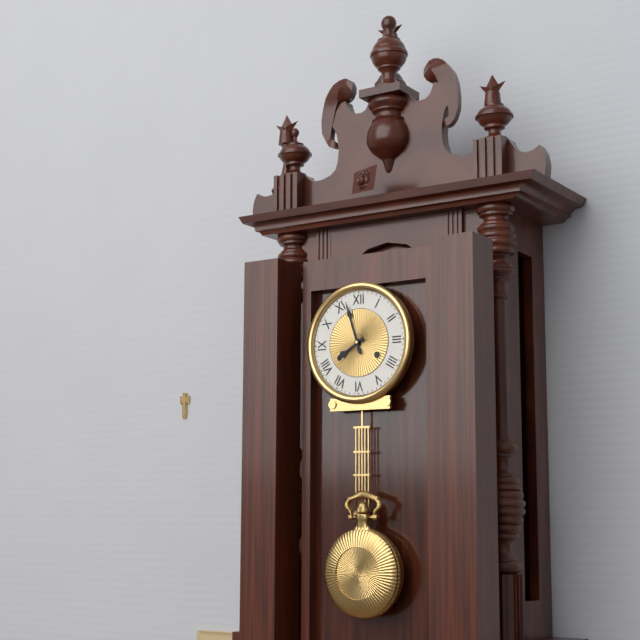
7:57
